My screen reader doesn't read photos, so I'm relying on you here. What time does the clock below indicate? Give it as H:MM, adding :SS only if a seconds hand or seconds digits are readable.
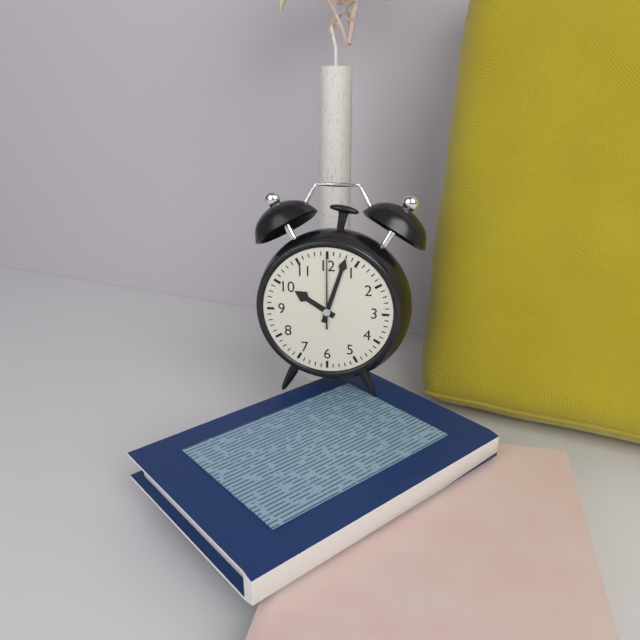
10:03:00
